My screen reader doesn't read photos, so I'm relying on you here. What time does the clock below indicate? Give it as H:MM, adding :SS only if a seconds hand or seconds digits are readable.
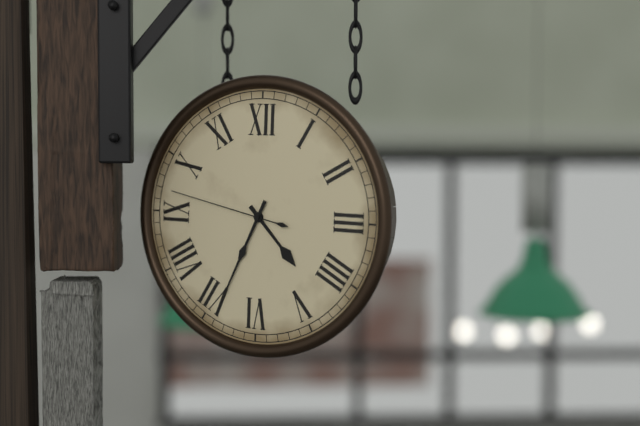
4:34:47
